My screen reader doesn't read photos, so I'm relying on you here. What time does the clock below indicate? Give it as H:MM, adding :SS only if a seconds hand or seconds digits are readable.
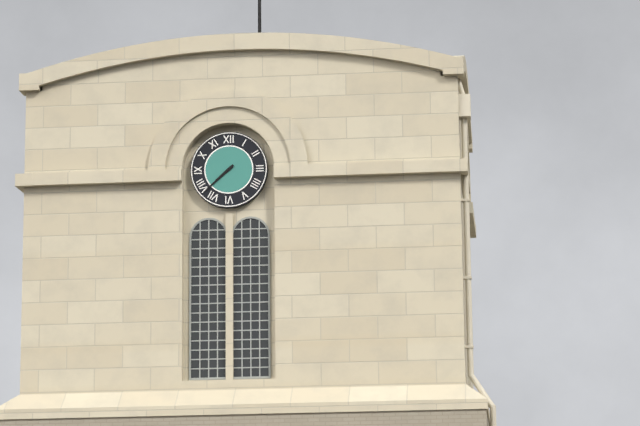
7:38
